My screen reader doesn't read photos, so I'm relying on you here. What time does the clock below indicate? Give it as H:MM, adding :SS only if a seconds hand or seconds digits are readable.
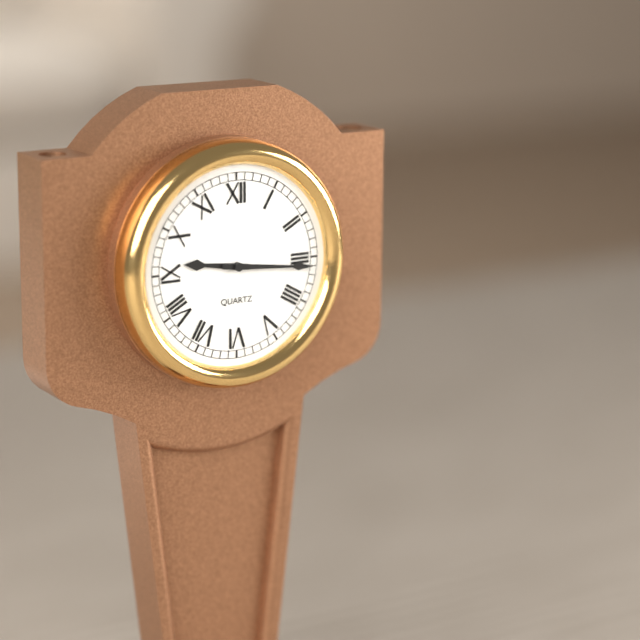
9:16
